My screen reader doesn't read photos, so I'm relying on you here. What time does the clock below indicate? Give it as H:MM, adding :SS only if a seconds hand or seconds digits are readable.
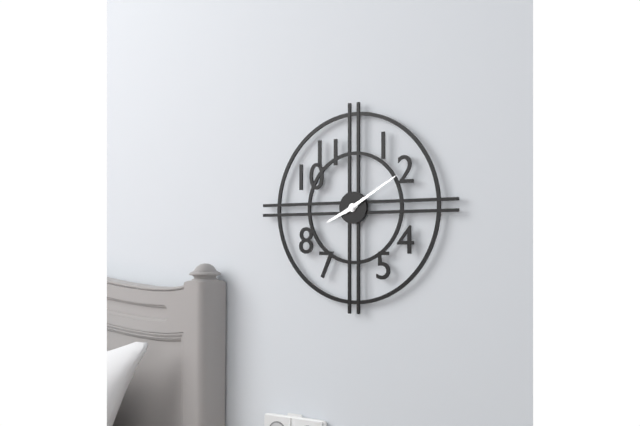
8:10
